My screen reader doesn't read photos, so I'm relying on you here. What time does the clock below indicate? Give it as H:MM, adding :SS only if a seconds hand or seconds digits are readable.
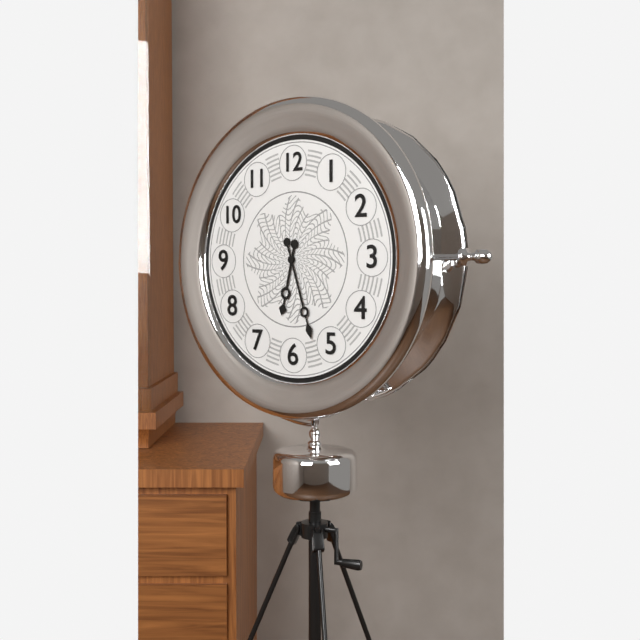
6:27
